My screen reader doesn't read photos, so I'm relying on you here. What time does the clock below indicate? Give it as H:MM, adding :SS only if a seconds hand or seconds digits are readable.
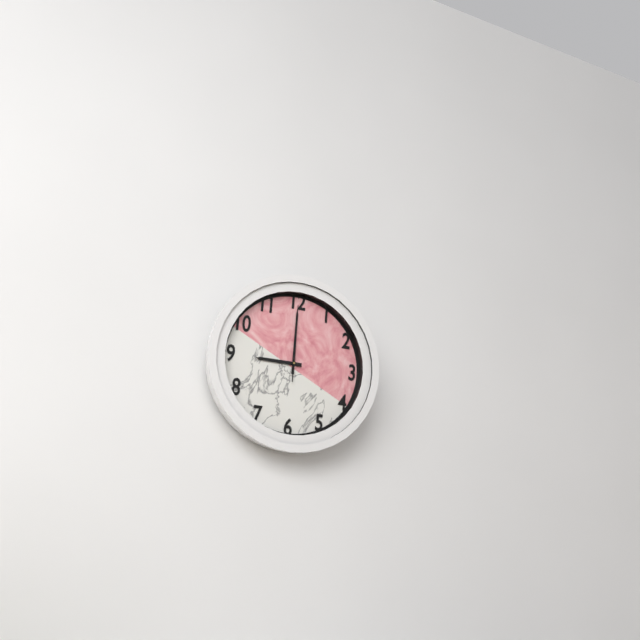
9:00:00
